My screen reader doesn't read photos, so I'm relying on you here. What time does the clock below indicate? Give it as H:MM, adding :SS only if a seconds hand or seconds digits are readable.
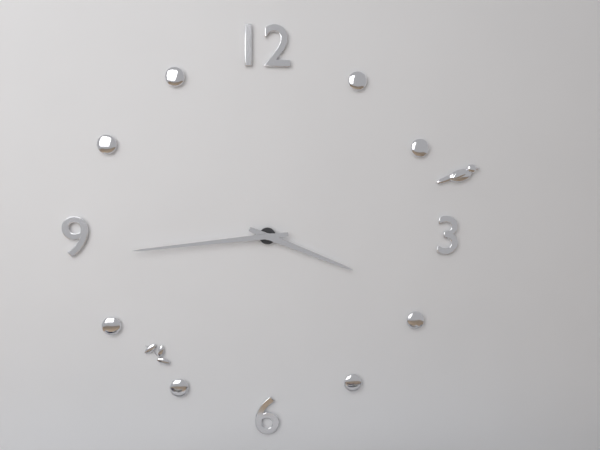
3:44
